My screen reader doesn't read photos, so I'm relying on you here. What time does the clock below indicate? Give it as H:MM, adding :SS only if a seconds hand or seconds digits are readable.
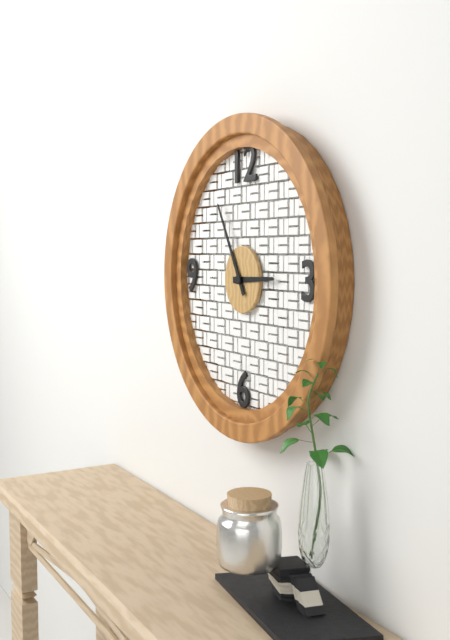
2:55
